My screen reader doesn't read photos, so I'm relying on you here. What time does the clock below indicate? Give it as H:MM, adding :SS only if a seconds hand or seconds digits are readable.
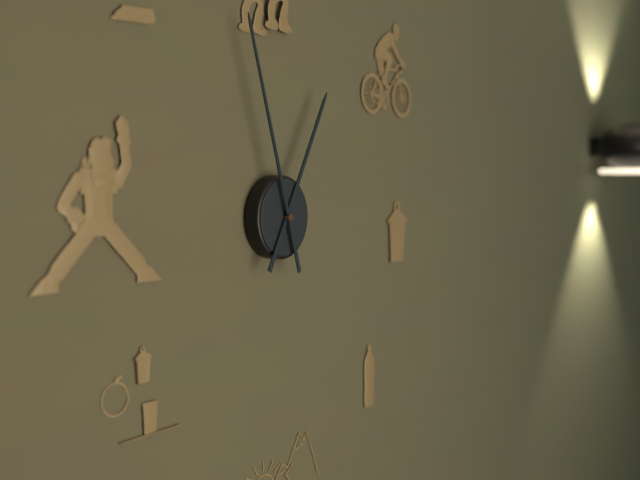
12:57
